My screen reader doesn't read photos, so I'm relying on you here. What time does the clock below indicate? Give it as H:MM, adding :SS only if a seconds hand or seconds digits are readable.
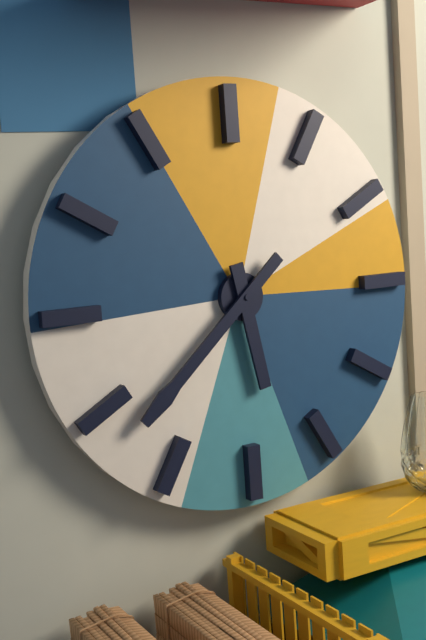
5:38
